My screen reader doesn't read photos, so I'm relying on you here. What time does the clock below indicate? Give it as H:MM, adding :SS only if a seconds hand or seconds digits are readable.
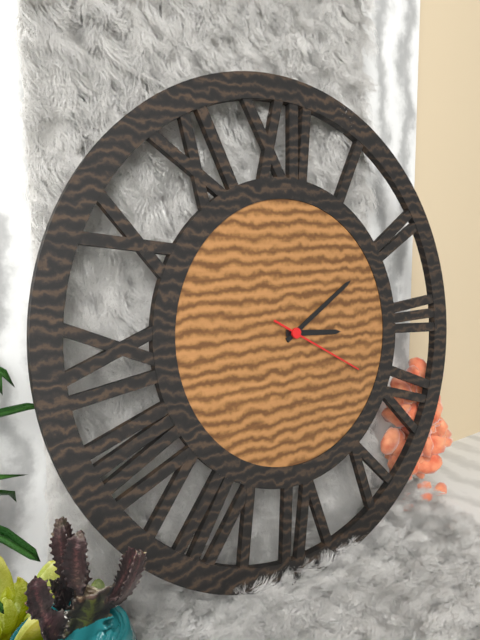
3:10:20
